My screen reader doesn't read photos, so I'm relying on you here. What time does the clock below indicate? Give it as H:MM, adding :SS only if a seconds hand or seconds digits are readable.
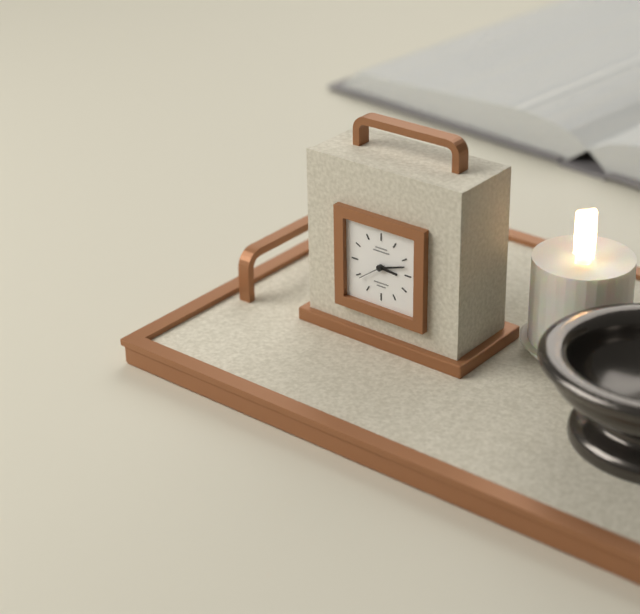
3:12
